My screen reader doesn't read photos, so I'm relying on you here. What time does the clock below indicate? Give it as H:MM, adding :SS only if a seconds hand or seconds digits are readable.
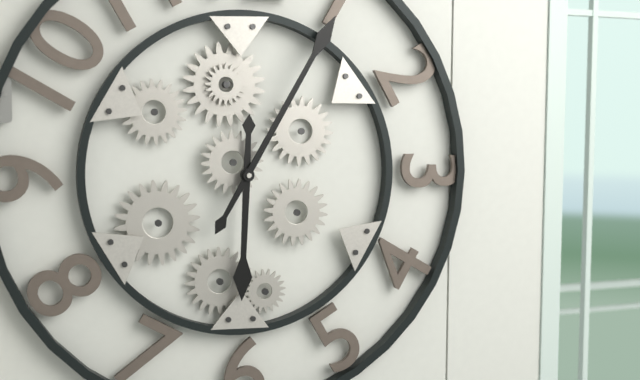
6:05
